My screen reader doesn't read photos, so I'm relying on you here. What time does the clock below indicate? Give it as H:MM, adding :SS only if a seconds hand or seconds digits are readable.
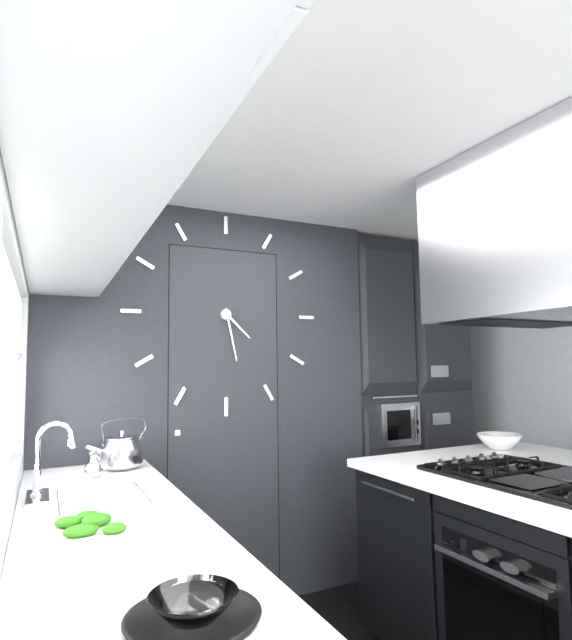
4:28
